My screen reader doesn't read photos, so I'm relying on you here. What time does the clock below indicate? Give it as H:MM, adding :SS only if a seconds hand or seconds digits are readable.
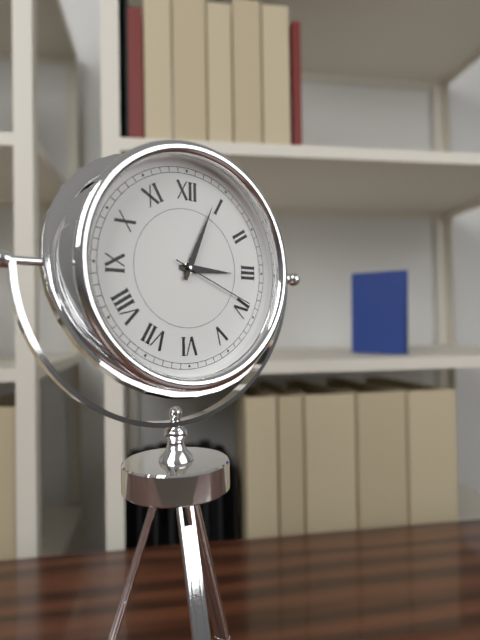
3:04:19
